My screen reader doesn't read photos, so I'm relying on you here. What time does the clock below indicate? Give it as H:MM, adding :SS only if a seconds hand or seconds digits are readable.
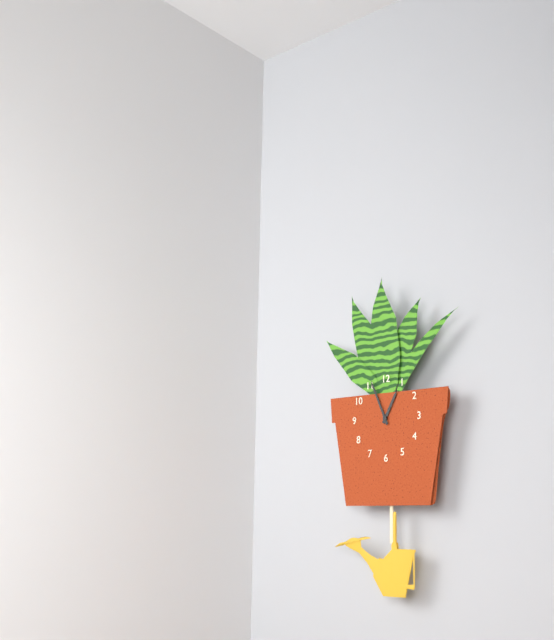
12:56
